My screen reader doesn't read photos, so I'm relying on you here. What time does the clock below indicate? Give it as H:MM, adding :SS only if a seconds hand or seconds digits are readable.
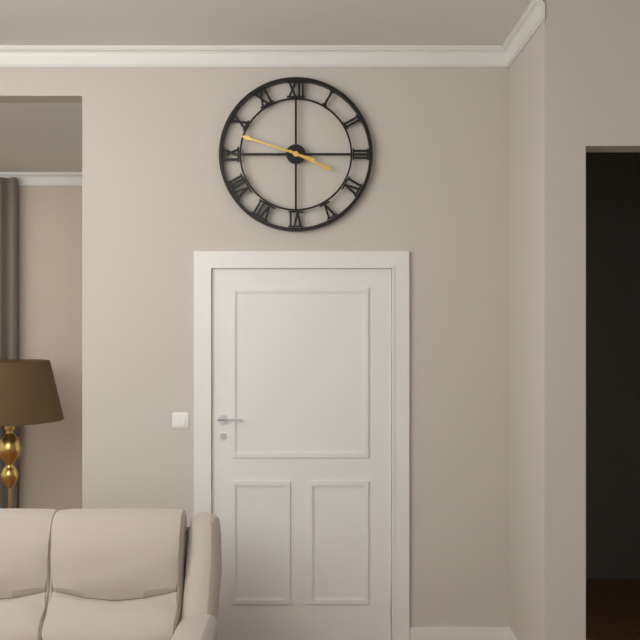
3:48
